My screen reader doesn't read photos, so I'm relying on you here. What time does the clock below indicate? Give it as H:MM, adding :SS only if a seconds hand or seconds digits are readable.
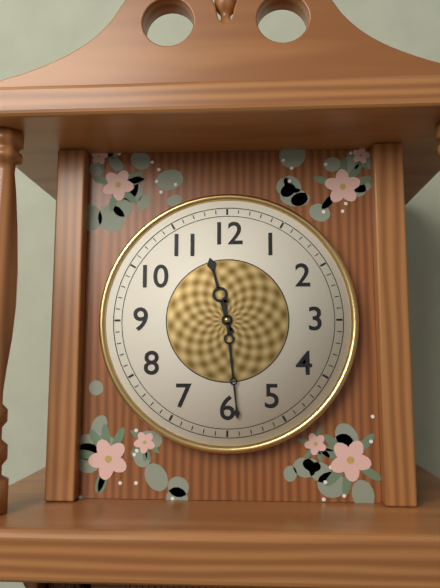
11:29
